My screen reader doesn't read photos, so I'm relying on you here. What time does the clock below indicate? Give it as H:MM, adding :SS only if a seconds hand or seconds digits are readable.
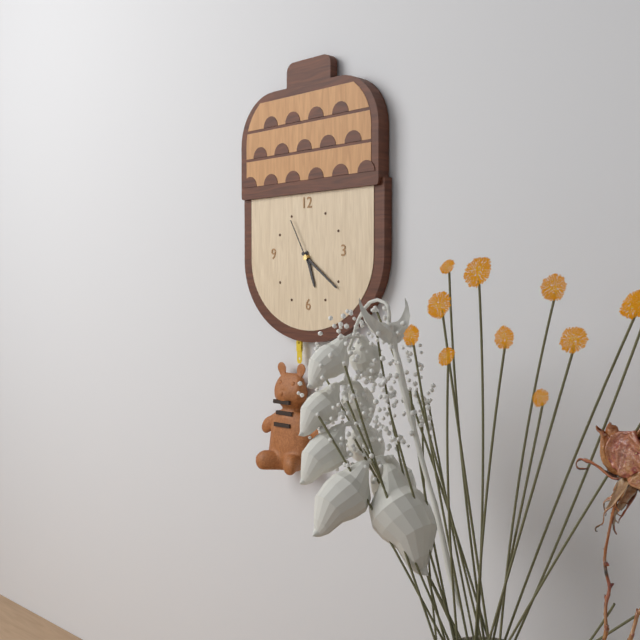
5:21:55
